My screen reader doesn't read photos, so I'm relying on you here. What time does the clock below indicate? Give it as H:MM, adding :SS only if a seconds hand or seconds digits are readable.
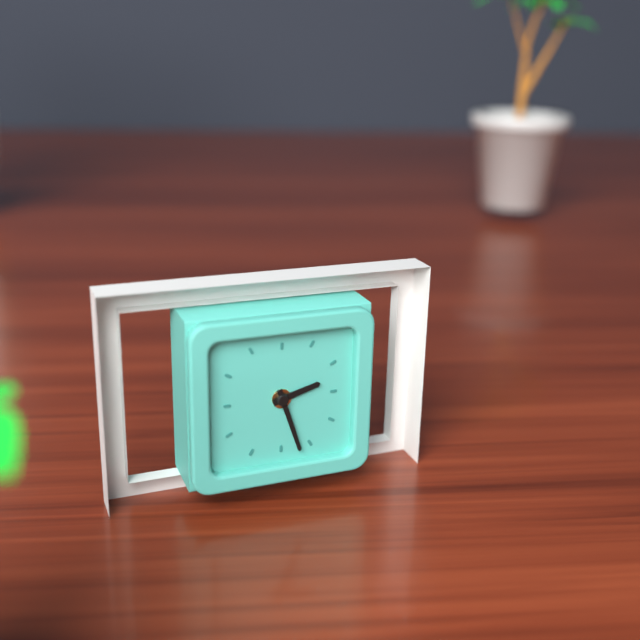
2:27
